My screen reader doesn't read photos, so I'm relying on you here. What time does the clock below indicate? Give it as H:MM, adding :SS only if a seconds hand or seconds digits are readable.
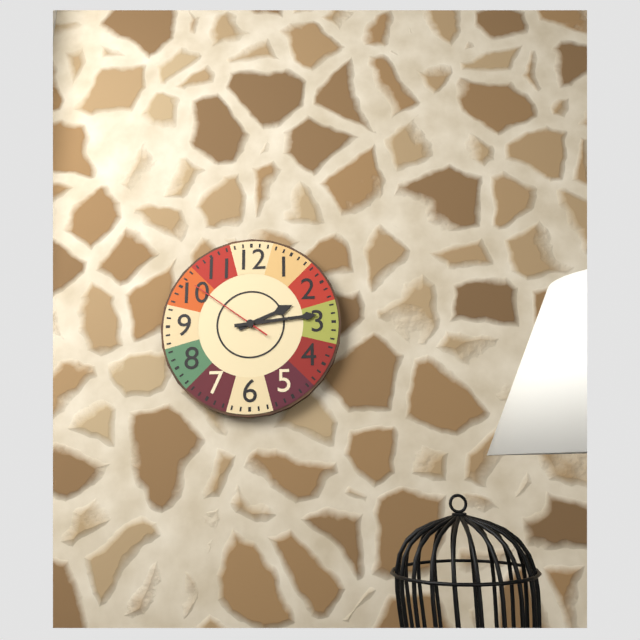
2:14:51
